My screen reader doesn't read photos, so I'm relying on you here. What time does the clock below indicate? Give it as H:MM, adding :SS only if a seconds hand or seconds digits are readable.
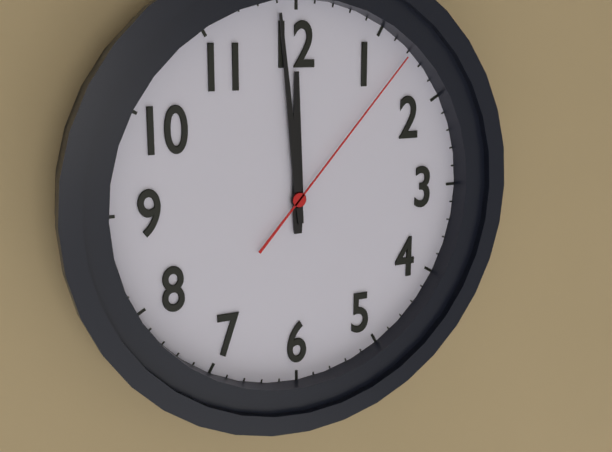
11:59:07
